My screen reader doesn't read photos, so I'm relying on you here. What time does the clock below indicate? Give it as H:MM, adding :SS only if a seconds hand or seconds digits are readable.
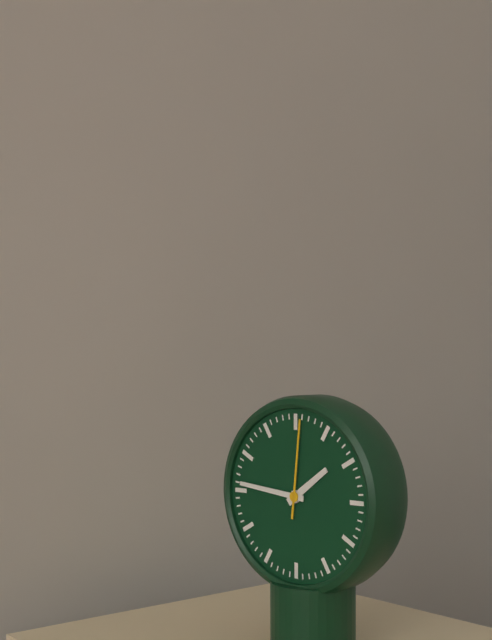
1:46:01
